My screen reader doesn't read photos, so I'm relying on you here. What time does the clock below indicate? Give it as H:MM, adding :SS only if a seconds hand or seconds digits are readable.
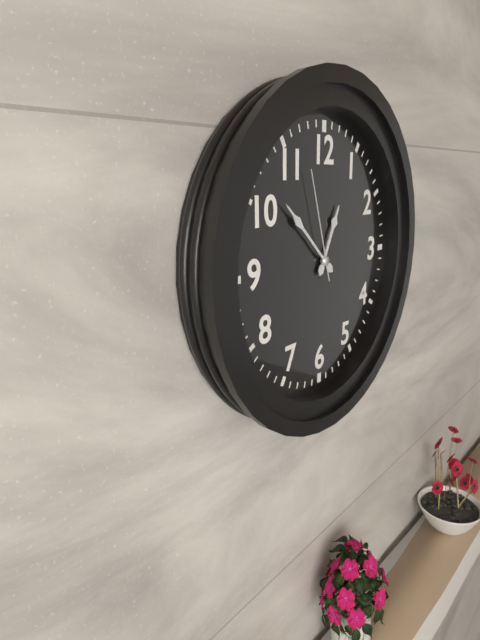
12:52:57
